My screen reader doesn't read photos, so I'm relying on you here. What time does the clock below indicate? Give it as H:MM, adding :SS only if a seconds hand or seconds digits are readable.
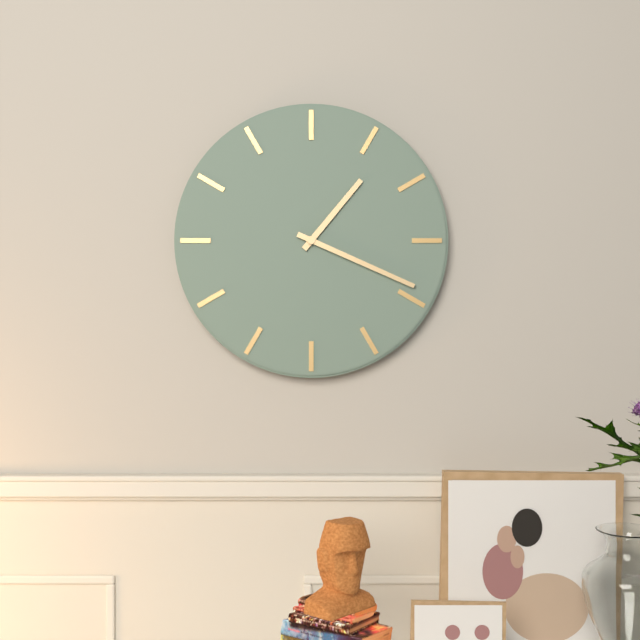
1:19
